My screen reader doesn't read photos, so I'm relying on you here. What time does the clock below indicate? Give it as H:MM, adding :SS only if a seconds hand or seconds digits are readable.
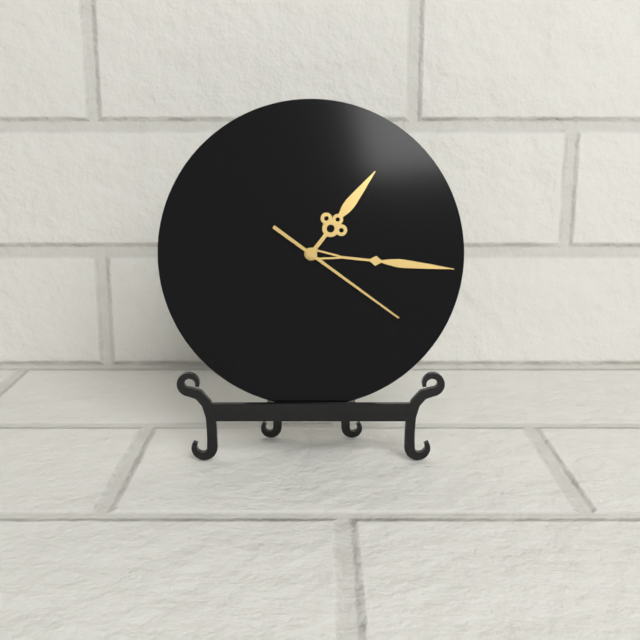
1:16:21
